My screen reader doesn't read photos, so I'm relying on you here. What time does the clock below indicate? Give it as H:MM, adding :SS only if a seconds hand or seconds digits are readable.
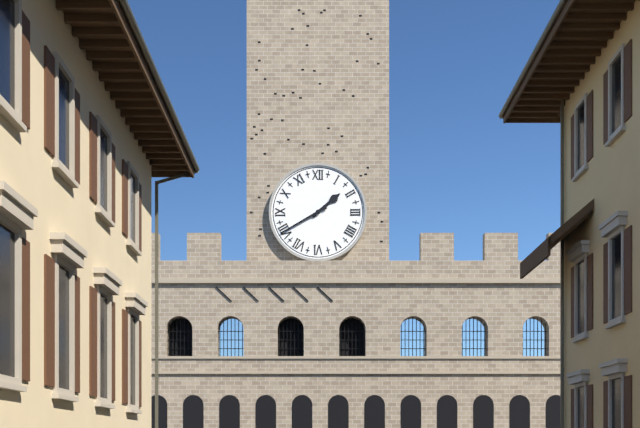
1:40
